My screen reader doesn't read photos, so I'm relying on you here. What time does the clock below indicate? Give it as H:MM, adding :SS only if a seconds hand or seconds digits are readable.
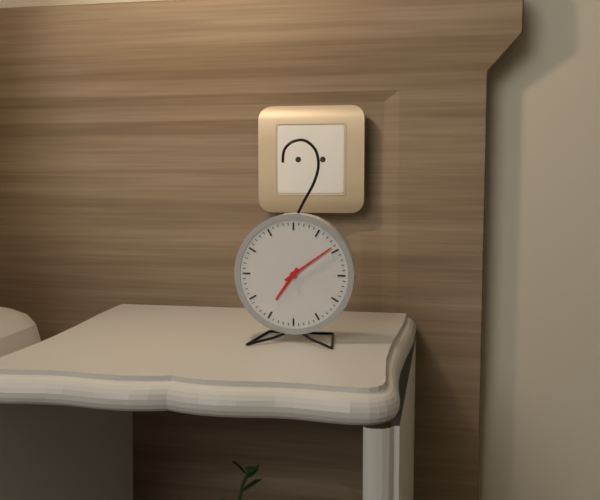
7:09
